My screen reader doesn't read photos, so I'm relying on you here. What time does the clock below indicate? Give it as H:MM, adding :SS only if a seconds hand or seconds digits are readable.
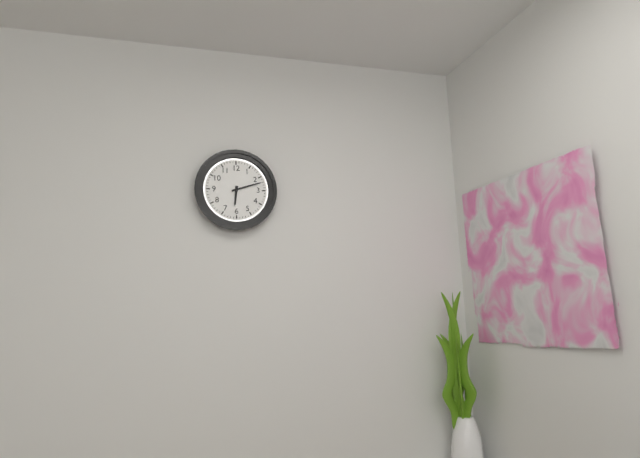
6:12
